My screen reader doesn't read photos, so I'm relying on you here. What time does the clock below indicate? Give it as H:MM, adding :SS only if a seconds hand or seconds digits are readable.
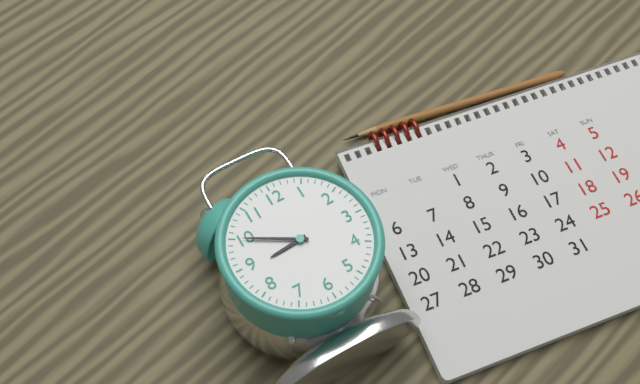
8:50
